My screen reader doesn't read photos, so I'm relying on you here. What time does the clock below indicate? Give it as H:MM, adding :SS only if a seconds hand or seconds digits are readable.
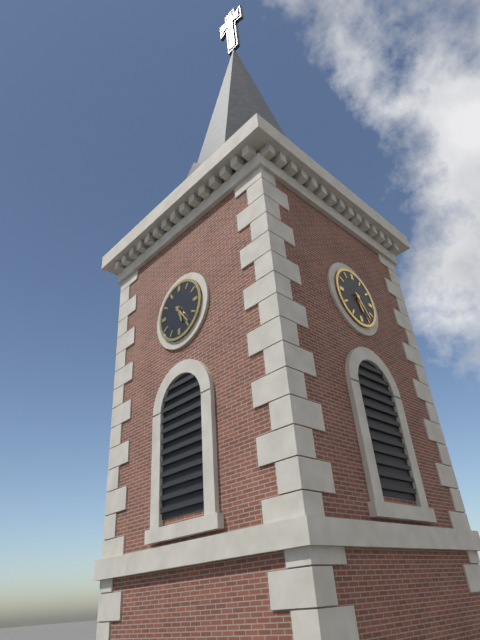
5:24
